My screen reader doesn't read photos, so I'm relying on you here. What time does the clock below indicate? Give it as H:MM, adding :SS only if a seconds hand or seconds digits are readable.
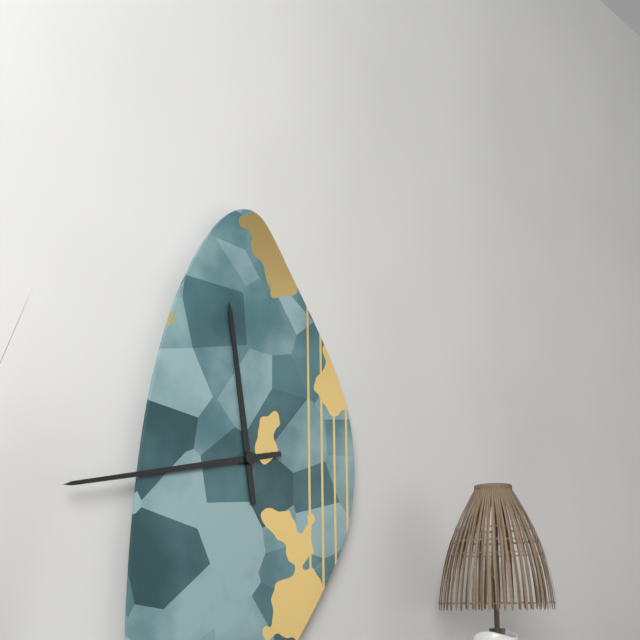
11:43
